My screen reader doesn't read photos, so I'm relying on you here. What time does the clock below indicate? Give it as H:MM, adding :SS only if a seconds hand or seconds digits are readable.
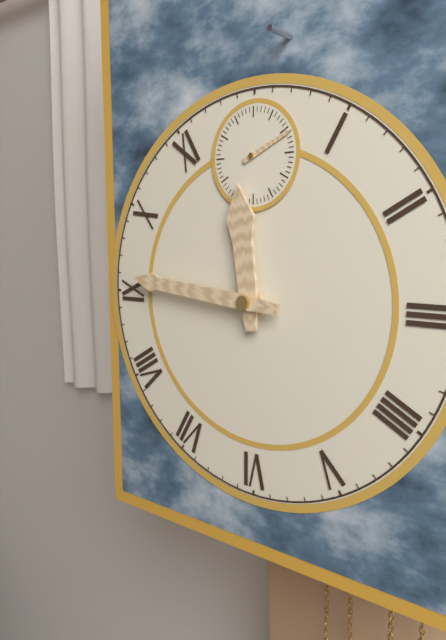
11:46:11
